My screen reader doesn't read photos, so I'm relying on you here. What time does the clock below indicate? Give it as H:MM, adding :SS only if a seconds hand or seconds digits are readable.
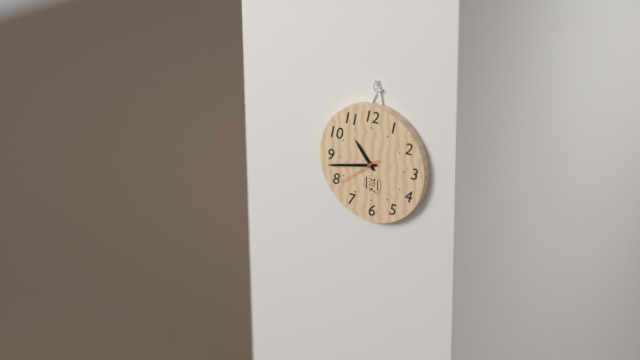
10:43
